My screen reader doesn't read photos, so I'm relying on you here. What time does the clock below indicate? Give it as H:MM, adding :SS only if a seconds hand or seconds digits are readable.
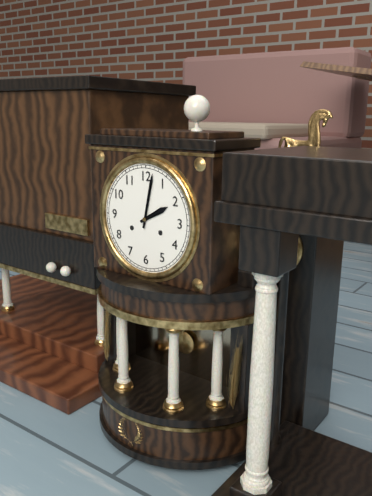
2:02
